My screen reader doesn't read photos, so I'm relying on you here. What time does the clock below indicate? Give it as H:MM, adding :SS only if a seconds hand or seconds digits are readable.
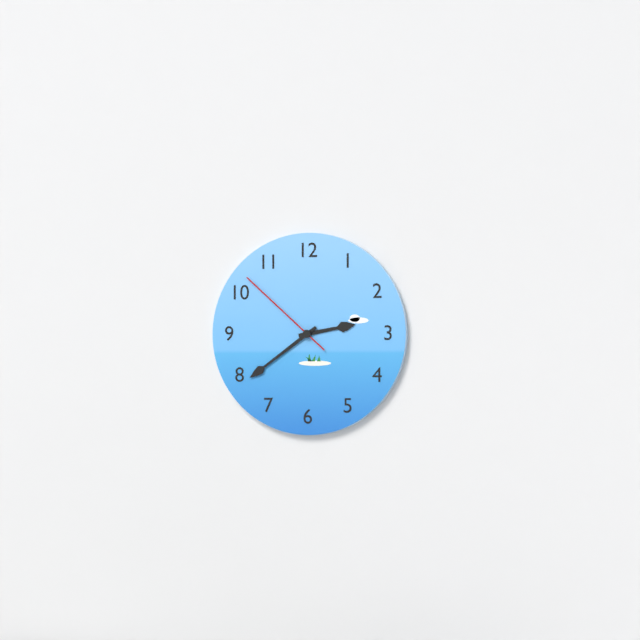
2:39:52
